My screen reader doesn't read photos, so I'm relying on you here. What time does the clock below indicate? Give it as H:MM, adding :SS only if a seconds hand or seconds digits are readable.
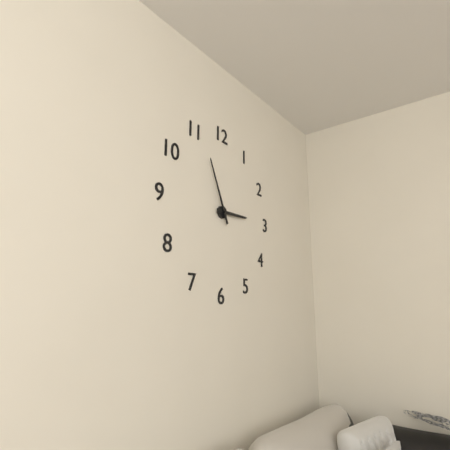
2:56
